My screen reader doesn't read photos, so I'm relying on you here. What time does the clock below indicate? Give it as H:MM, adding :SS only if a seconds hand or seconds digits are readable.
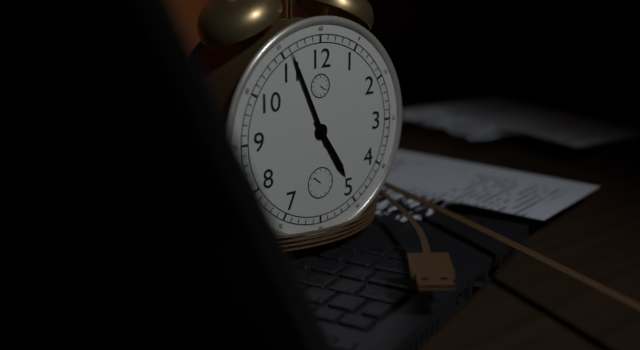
4:56
